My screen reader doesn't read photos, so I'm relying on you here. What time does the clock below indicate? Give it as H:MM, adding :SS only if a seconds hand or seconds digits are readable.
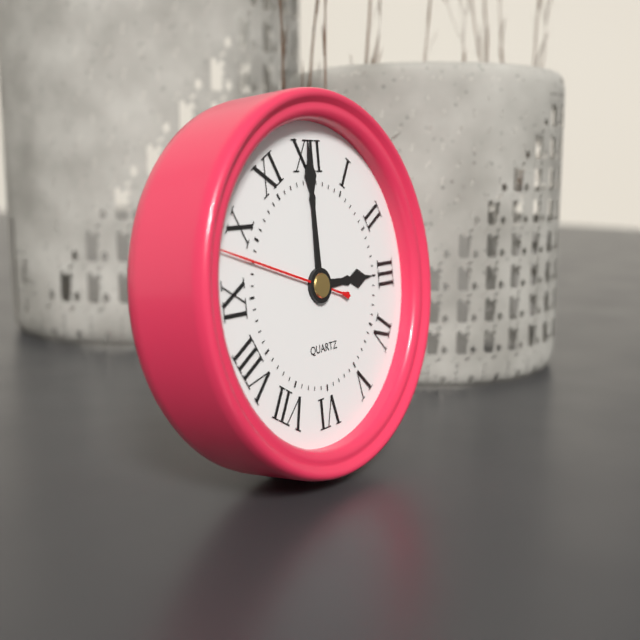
3:00:48
